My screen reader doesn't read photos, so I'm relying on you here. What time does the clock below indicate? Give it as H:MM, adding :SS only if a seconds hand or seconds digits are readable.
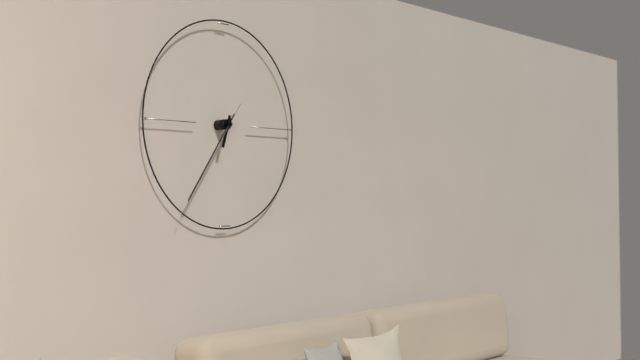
6:36:36
